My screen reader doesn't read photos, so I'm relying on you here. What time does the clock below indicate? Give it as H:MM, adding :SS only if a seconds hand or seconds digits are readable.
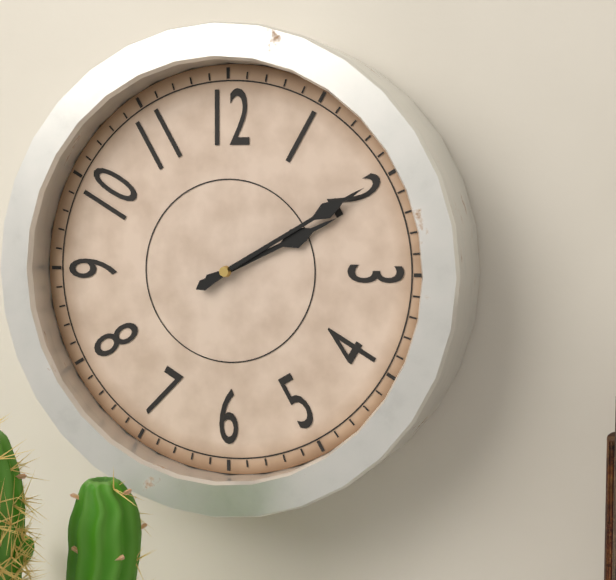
2:10
